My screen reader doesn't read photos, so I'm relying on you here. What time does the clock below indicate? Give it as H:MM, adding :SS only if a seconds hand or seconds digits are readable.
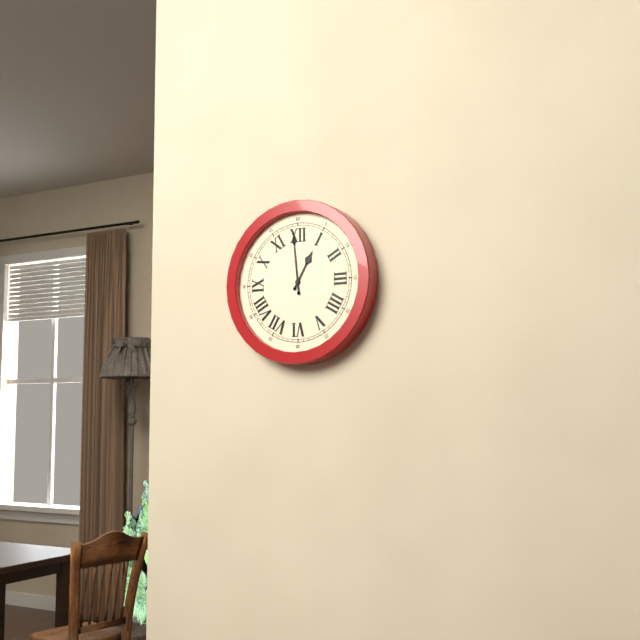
12:59
